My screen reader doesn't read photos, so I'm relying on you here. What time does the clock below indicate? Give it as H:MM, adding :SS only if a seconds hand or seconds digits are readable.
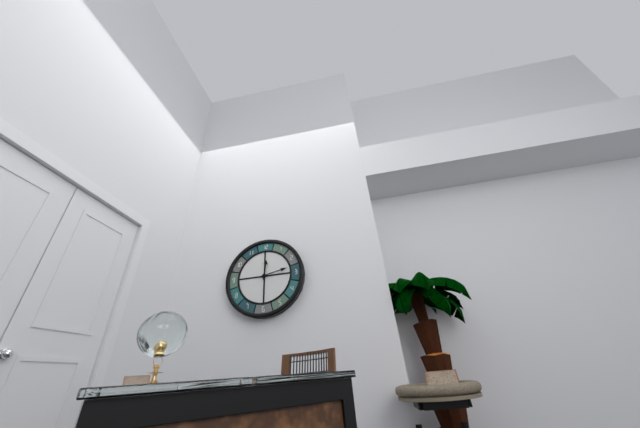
12:13
